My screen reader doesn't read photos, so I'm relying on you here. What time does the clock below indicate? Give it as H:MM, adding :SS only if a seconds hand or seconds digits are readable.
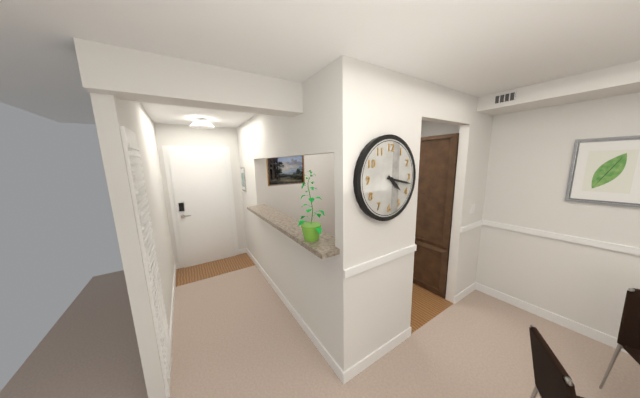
4:17
